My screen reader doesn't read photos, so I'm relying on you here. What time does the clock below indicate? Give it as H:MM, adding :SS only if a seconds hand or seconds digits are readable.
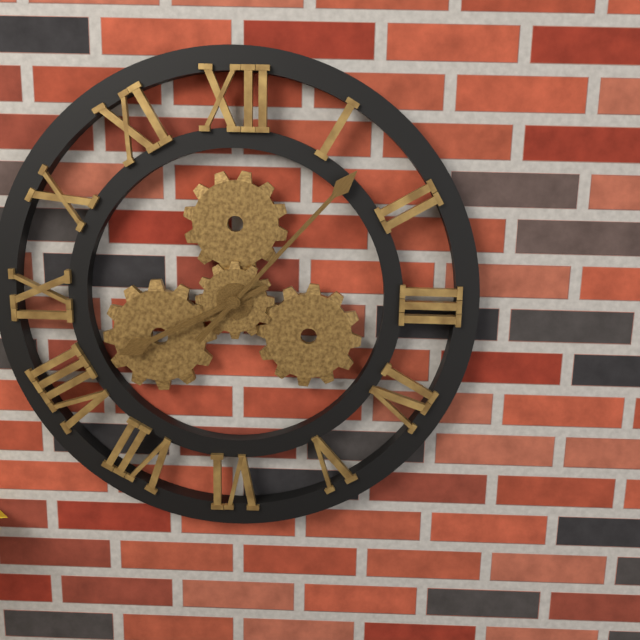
8:07
